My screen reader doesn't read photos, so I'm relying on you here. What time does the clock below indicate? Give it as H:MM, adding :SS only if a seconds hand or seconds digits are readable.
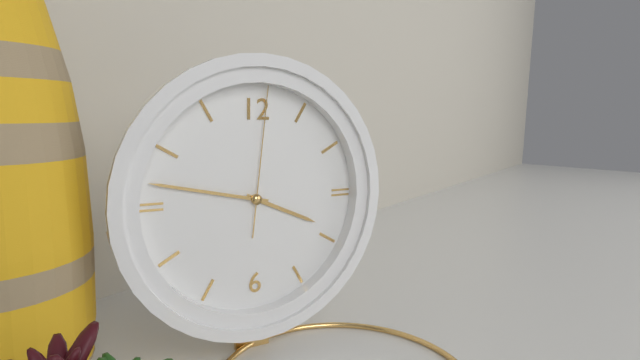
3:47:01
